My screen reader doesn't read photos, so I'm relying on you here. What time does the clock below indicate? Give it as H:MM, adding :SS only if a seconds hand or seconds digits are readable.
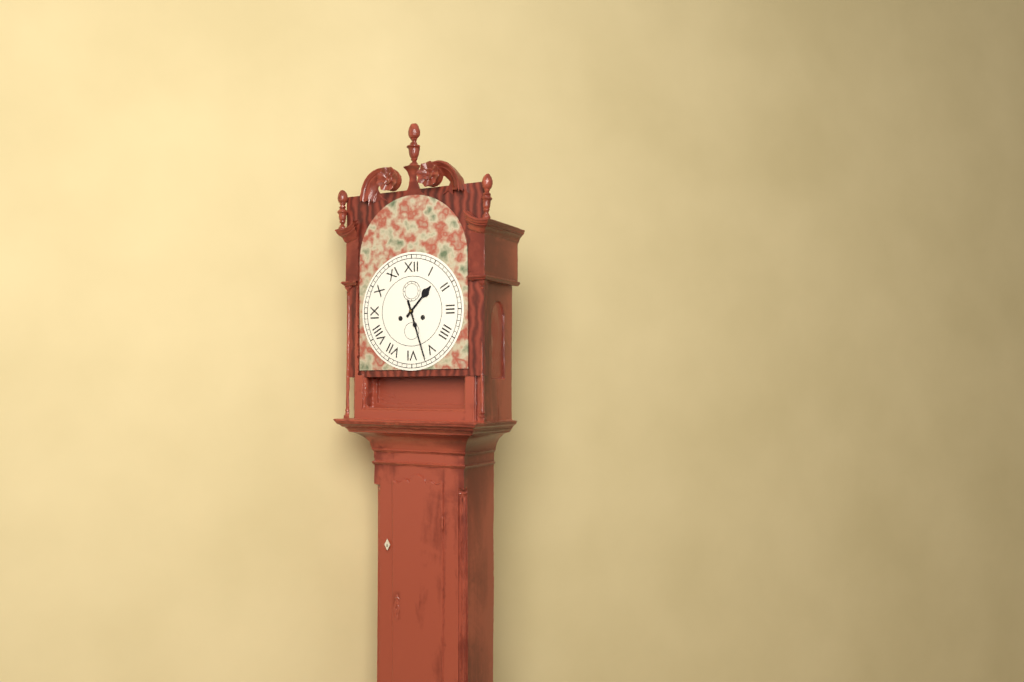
1:27
